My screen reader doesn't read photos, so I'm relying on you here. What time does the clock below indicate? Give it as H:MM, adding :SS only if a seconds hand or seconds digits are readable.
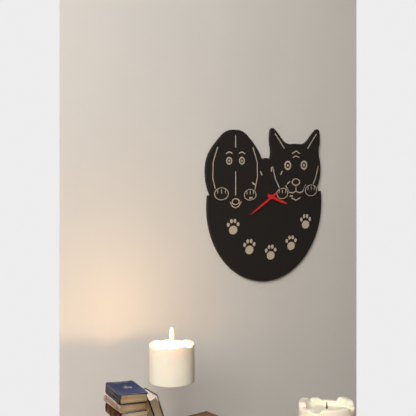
3:40
